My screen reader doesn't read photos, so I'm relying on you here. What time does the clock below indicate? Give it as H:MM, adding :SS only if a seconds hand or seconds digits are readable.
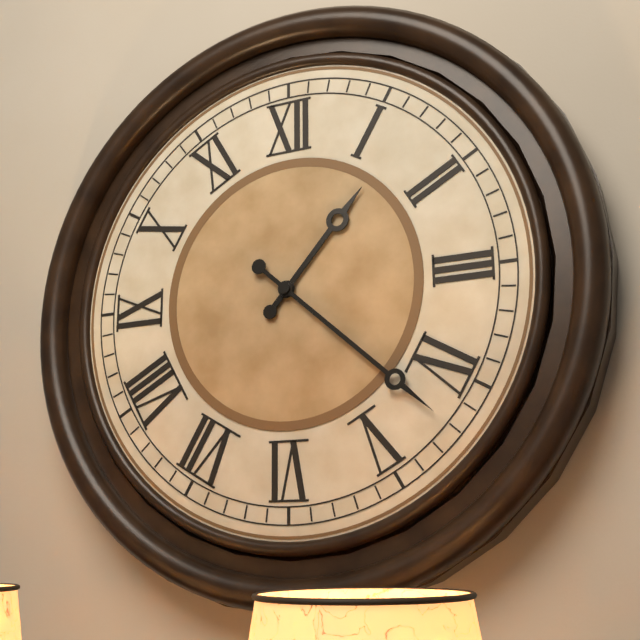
1:22
